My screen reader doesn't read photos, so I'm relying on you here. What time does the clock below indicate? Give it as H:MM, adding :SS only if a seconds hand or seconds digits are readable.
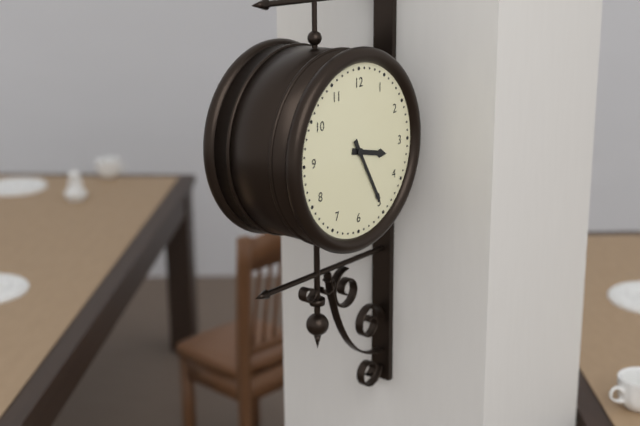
3:25
